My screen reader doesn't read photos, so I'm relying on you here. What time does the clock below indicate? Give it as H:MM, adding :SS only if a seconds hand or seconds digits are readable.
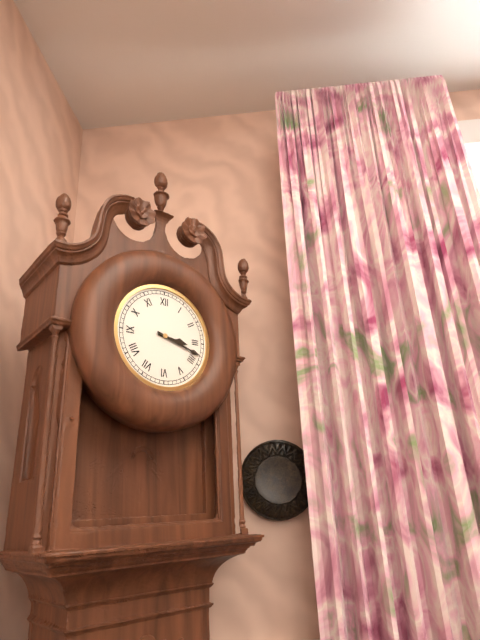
3:18
